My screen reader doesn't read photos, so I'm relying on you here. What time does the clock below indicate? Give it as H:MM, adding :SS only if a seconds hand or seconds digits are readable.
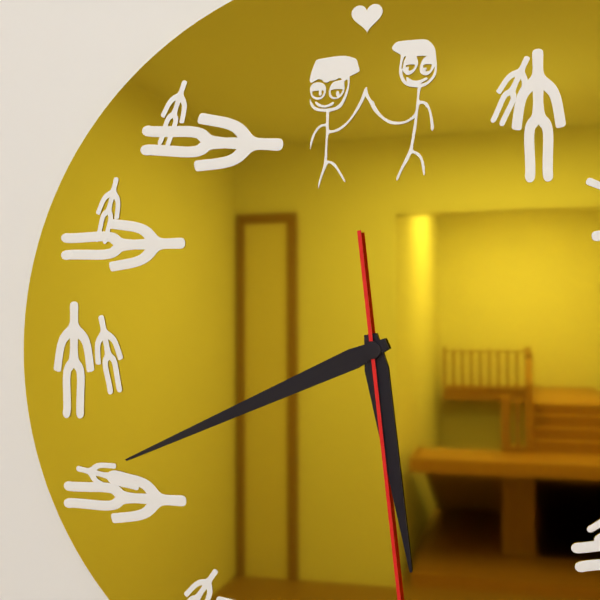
5:41
